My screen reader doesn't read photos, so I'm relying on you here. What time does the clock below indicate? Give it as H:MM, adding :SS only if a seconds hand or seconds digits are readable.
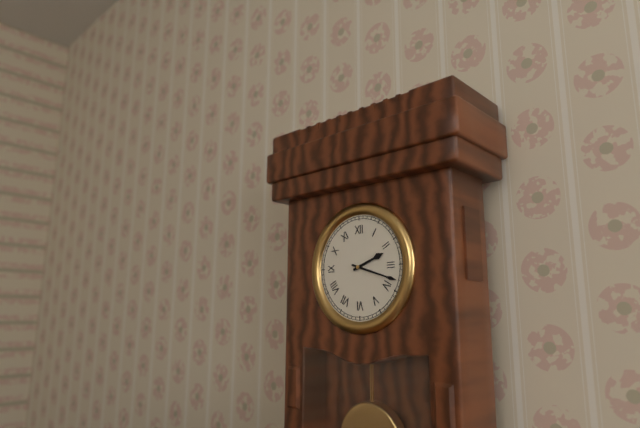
2:18
